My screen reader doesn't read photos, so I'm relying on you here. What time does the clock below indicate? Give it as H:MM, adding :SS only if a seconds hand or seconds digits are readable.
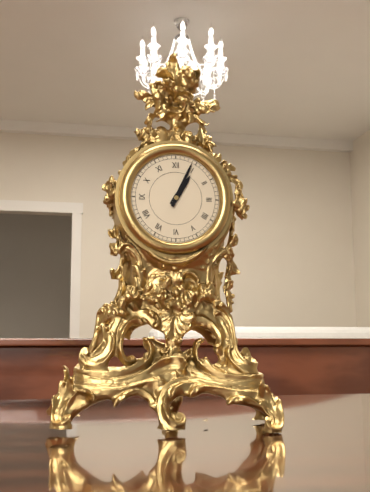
1:04
